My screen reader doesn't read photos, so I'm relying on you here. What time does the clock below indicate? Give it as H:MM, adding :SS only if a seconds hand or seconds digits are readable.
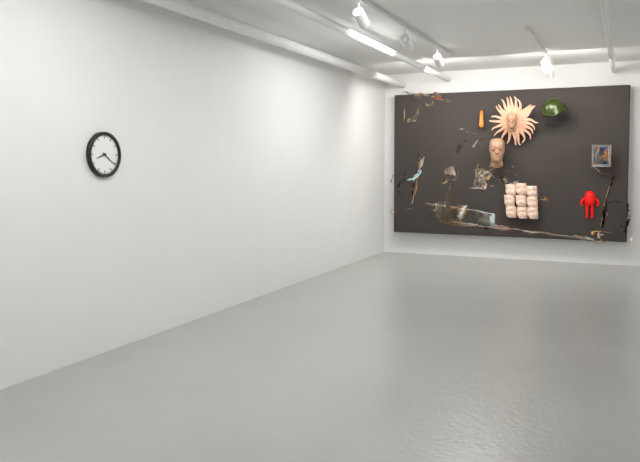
8:21
